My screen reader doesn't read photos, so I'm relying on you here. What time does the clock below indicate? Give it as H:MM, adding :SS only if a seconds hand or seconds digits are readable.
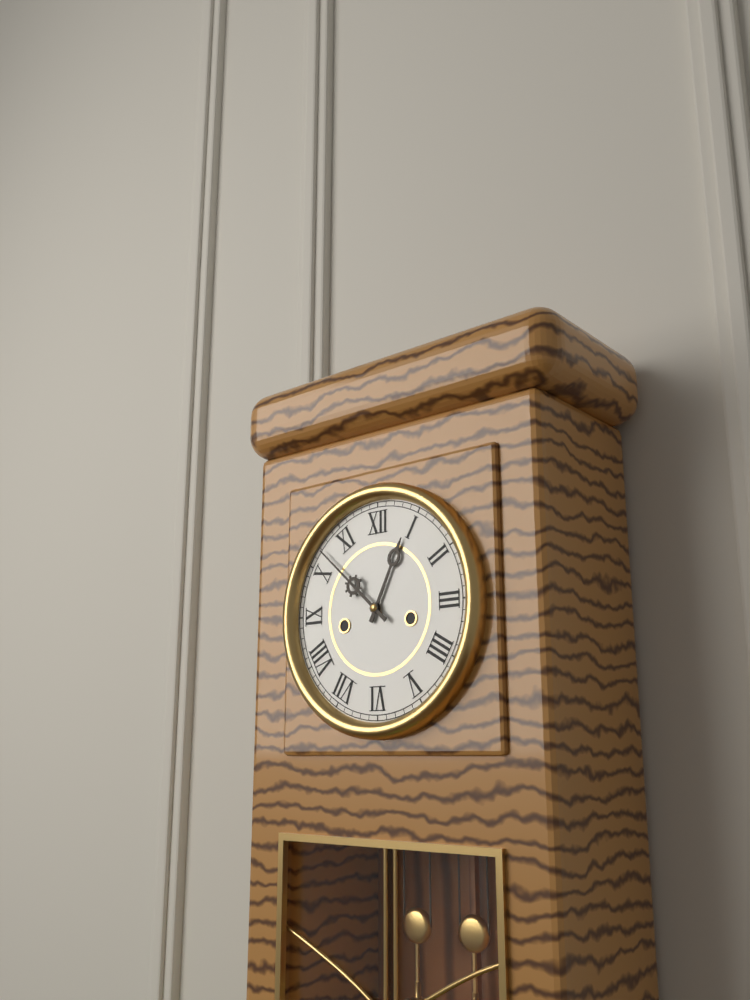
12:52
